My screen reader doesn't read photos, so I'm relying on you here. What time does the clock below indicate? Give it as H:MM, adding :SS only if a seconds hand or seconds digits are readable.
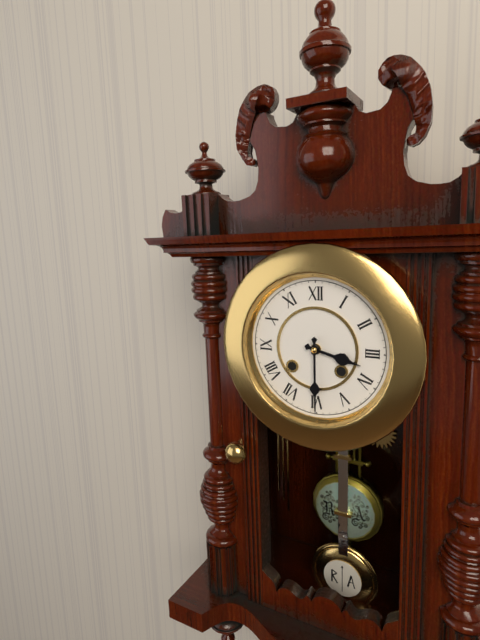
3:30
